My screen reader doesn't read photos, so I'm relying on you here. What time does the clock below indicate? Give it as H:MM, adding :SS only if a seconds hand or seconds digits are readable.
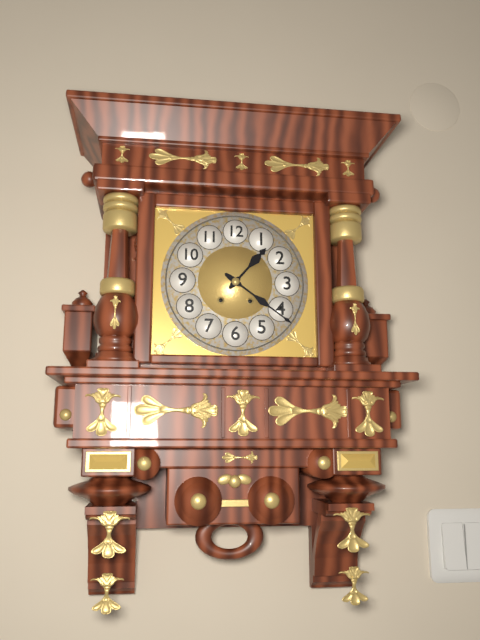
1:21
